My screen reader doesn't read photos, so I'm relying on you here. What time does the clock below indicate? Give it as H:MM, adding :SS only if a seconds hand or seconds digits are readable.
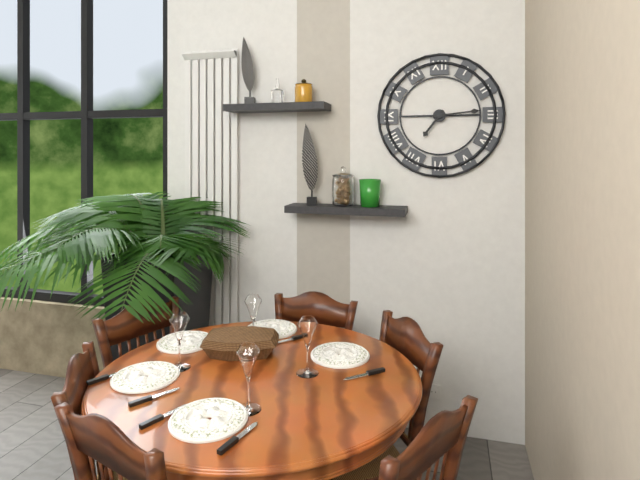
7:14
